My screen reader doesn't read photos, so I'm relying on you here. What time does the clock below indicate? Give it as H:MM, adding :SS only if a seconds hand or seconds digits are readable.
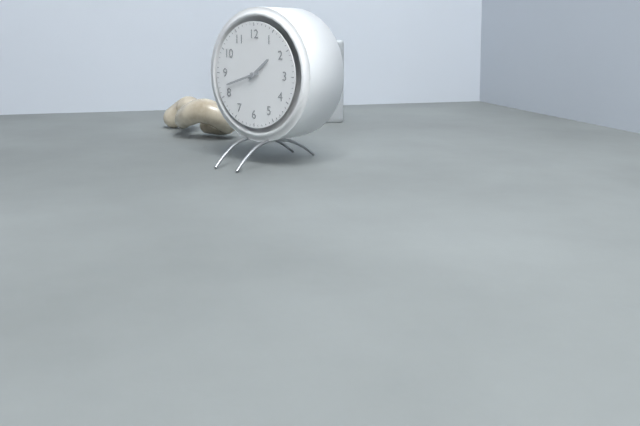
1:42
